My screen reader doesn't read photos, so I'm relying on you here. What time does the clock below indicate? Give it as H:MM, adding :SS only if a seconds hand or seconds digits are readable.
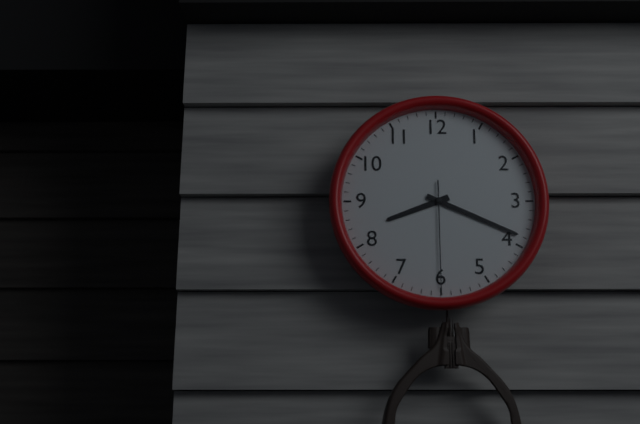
8:19:30
